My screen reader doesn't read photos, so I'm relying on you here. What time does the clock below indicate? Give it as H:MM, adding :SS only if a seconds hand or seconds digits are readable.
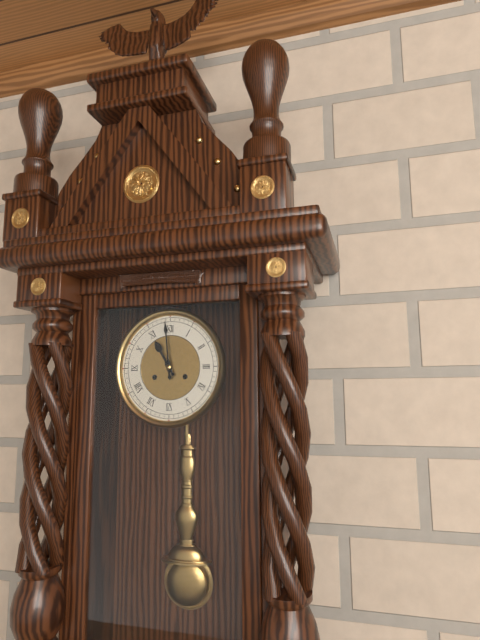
10:59
